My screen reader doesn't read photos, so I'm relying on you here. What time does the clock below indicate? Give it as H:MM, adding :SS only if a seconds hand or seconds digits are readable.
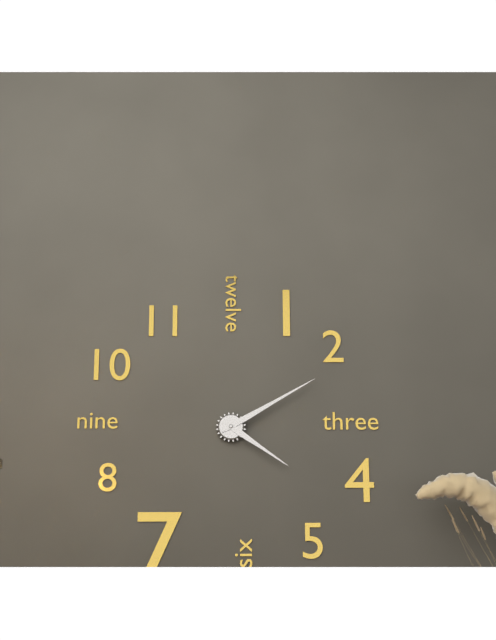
4:10
